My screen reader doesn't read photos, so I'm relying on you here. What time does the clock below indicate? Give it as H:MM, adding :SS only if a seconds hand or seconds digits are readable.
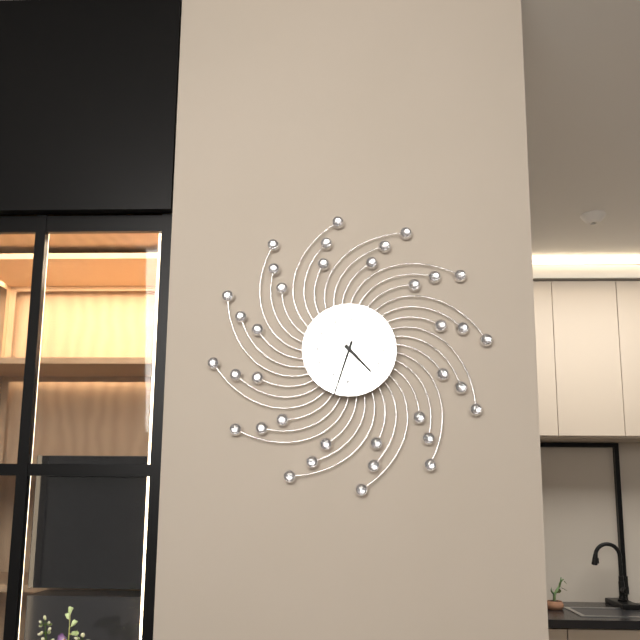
4:33
